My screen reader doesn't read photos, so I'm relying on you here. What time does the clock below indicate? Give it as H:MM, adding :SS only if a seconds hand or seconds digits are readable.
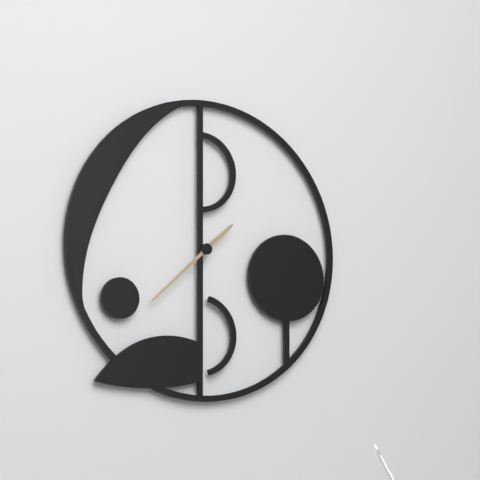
1:38
